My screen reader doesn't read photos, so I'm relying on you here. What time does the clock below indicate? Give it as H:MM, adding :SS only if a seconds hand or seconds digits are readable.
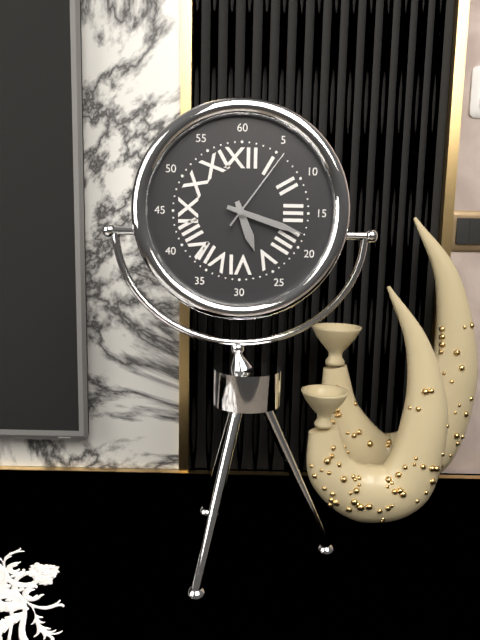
5:18:06
